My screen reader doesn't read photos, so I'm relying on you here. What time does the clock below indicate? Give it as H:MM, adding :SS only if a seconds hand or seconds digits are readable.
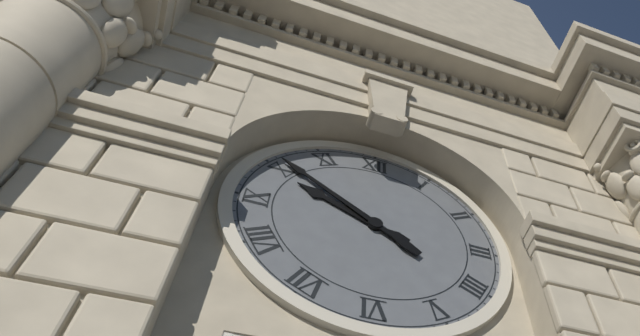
9:51
